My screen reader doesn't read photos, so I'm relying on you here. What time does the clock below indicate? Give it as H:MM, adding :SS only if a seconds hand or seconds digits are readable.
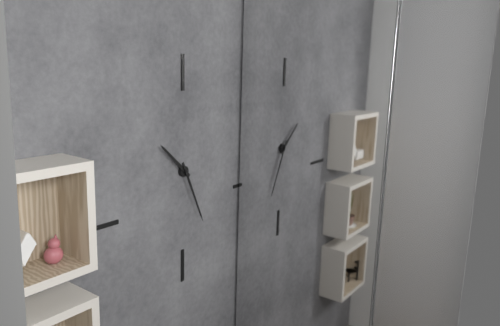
10:26
